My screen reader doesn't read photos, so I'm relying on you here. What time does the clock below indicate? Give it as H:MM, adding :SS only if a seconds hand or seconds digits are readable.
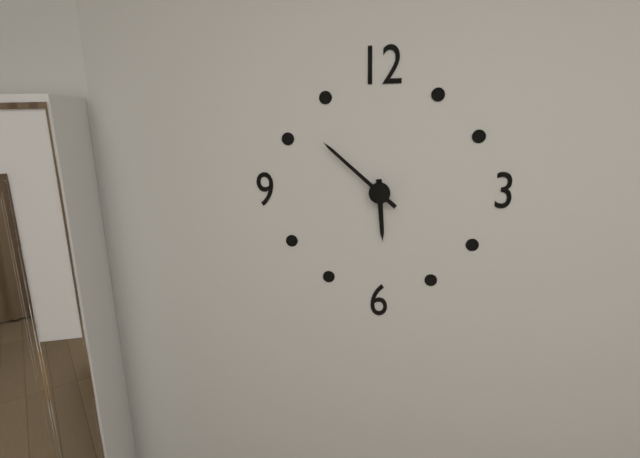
5:52
